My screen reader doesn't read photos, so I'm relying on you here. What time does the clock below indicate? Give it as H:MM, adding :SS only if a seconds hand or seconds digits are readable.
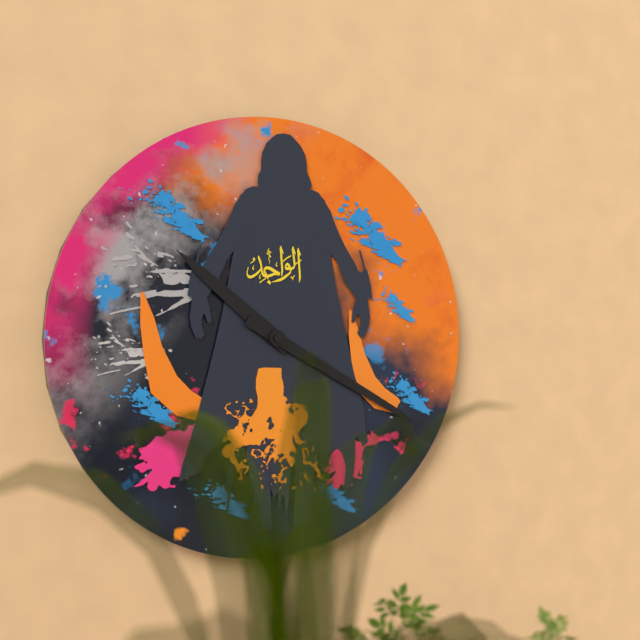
10:20
